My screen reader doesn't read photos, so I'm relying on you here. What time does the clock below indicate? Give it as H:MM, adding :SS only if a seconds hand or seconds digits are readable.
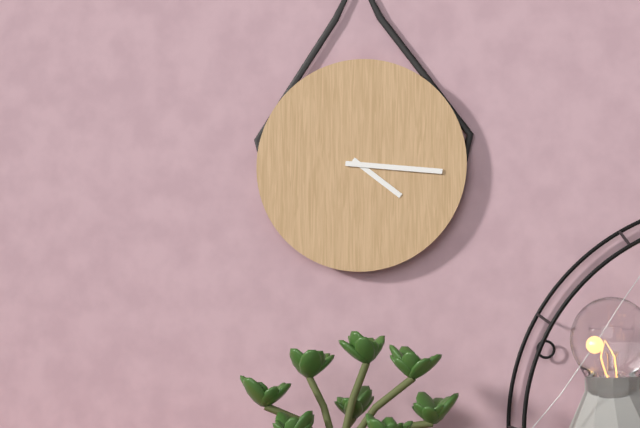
4:16
